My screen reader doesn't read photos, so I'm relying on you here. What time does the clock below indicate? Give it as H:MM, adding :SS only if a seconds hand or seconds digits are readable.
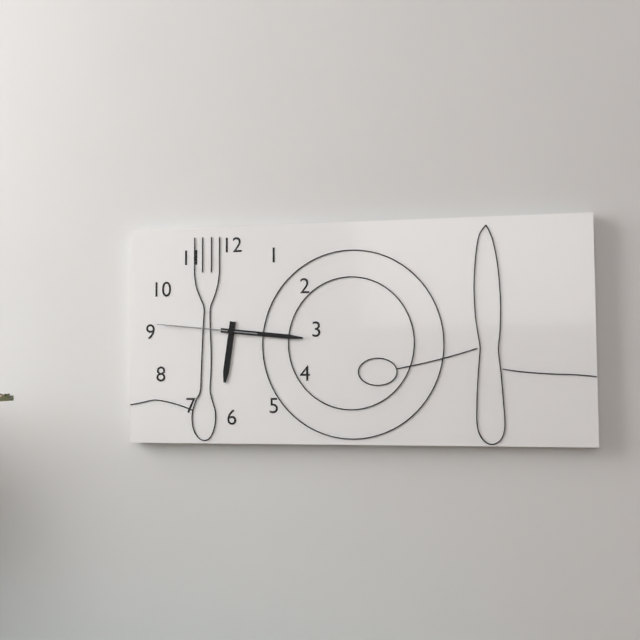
6:16:46
